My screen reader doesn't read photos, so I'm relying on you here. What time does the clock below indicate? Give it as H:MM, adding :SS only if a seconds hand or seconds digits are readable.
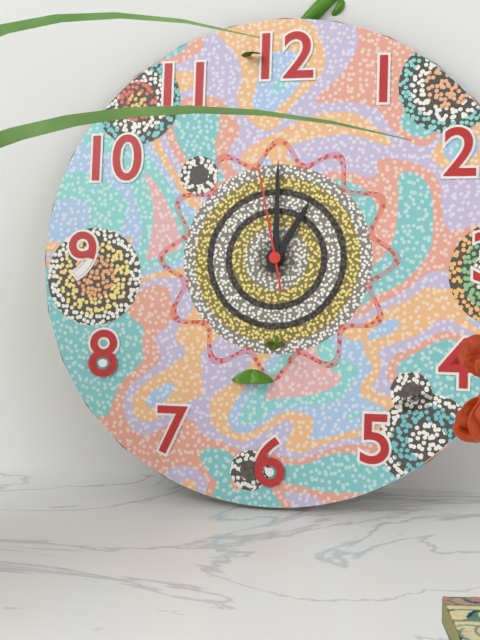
1:00:58
